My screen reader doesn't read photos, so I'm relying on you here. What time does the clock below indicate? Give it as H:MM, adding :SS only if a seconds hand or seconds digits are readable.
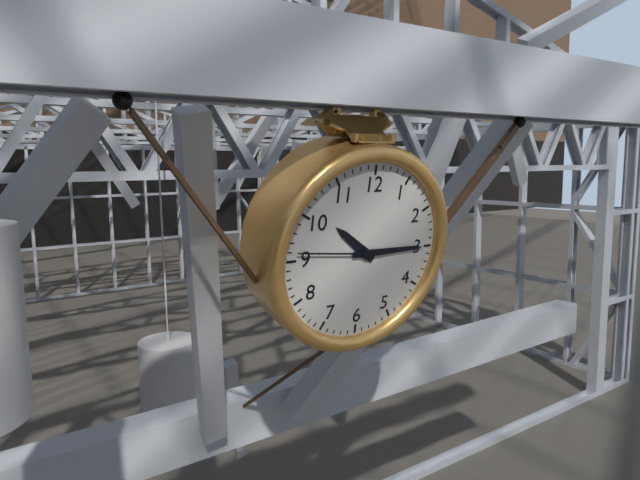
10:15:46
